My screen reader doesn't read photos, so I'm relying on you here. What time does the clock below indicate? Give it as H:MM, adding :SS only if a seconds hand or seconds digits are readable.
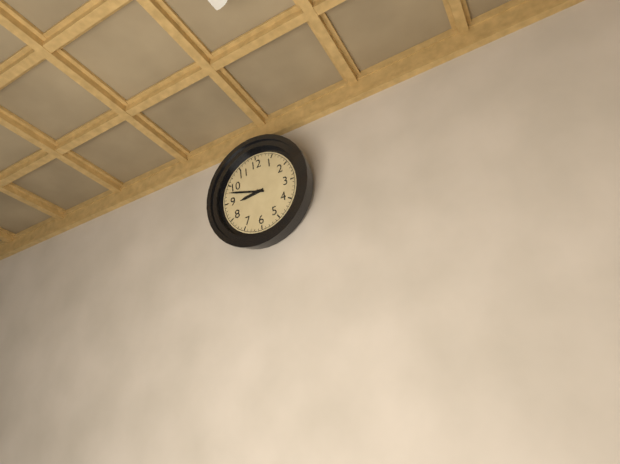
8:48
